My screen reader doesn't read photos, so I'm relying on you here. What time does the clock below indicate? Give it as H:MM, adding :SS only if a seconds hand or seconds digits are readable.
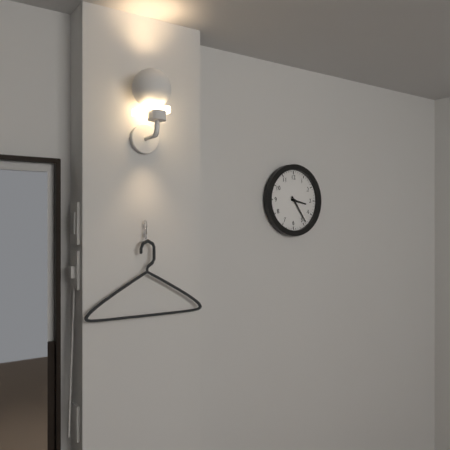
3:24
